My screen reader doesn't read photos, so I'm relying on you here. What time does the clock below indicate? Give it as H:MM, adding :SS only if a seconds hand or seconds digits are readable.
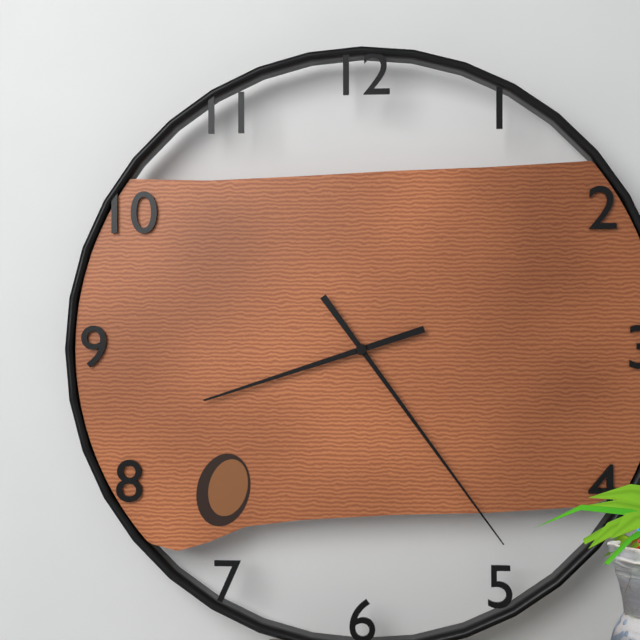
8:24
